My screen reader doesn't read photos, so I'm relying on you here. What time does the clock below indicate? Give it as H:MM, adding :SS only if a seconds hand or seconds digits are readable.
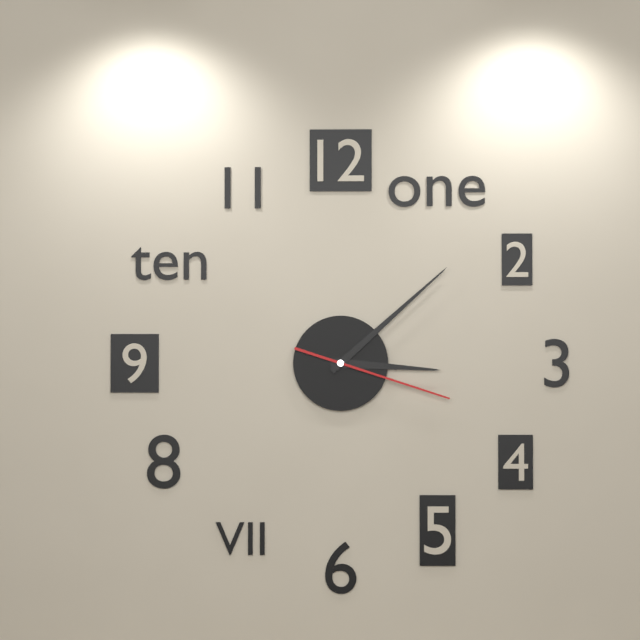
3:08:18
